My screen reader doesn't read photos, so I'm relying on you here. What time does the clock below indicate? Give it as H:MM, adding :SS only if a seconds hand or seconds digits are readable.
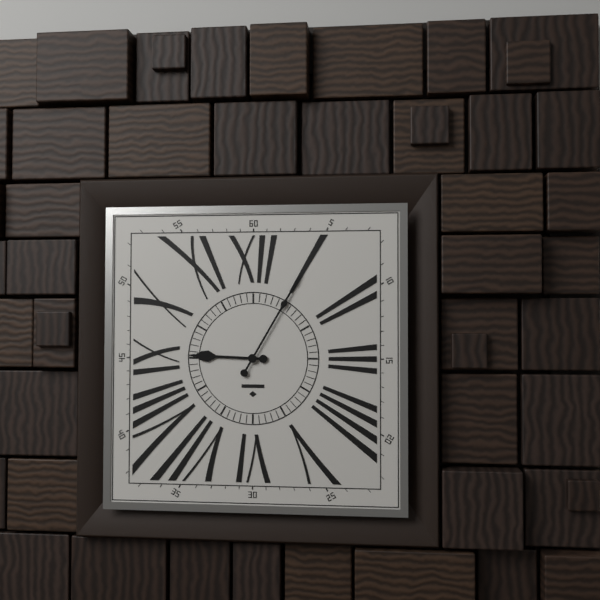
9:05
